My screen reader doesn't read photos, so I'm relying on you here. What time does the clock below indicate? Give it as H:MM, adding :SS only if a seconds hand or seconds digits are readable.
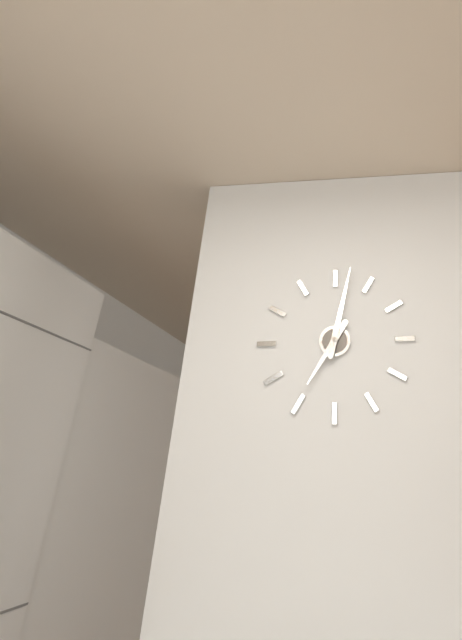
7:02
